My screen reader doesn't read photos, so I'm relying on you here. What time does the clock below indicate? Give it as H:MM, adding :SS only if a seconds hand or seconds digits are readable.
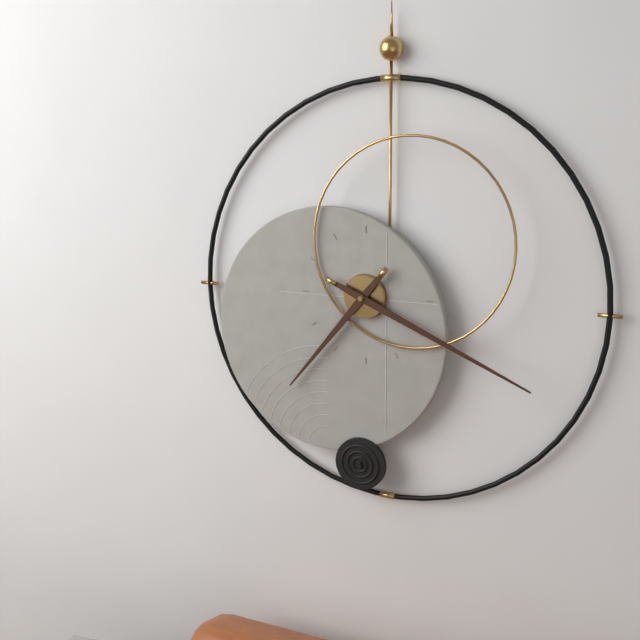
7:19
